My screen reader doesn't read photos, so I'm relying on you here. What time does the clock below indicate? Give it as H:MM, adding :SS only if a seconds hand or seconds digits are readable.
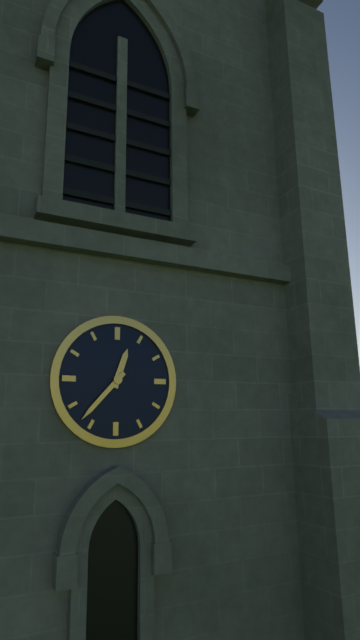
12:37
